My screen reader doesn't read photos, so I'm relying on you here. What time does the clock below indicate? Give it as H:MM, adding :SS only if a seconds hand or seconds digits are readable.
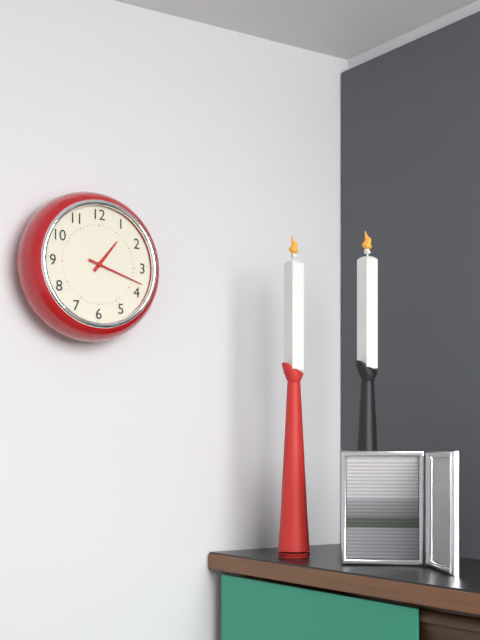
1:18
